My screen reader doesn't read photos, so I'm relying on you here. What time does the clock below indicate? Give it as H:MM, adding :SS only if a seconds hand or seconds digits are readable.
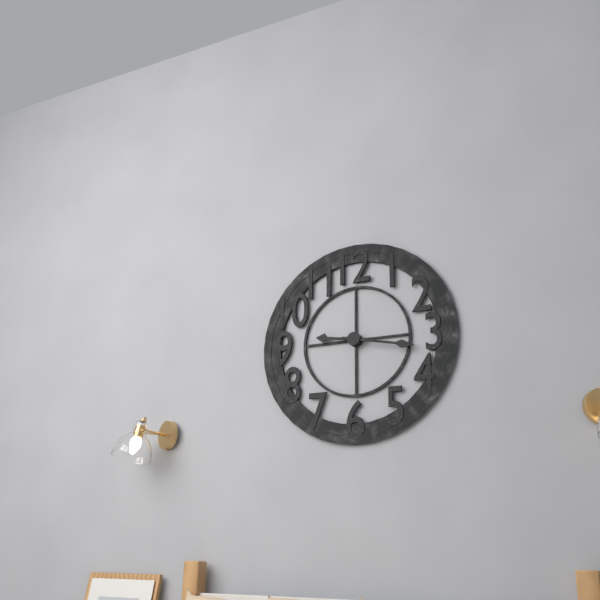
9:17
